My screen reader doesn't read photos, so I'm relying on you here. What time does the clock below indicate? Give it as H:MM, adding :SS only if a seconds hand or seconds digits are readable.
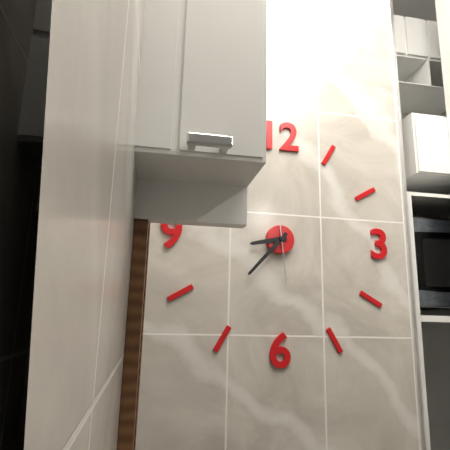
8:37:29
